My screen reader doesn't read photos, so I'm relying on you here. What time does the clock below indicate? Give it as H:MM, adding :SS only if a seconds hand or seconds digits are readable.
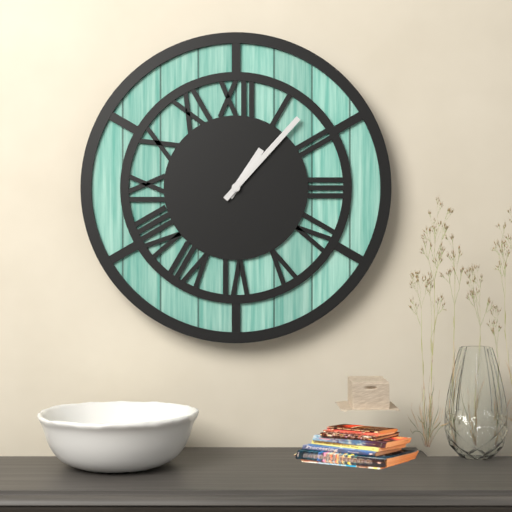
1:07
